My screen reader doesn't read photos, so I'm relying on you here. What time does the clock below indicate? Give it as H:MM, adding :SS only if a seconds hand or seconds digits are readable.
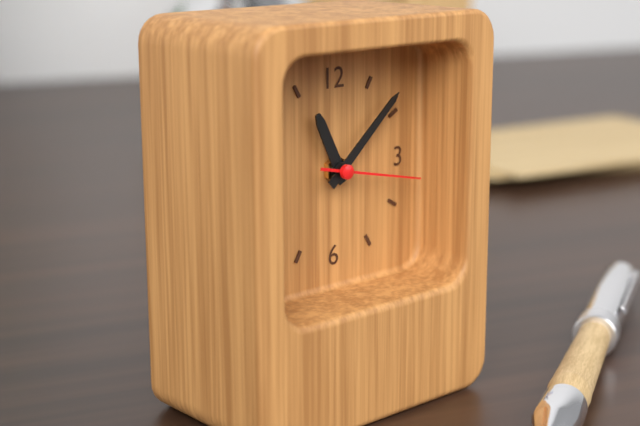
11:08:17
